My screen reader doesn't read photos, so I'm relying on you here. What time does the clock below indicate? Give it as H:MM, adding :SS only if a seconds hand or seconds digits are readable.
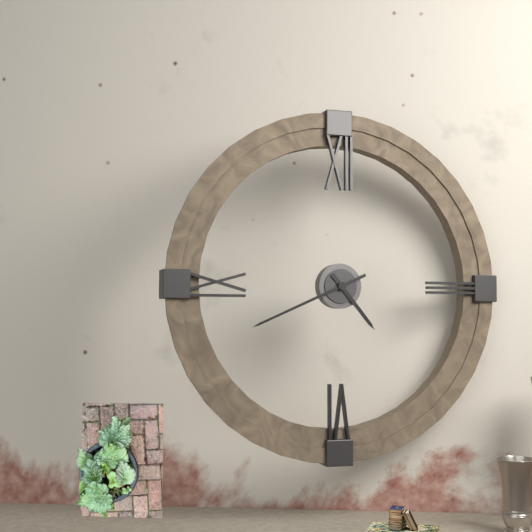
4:41
